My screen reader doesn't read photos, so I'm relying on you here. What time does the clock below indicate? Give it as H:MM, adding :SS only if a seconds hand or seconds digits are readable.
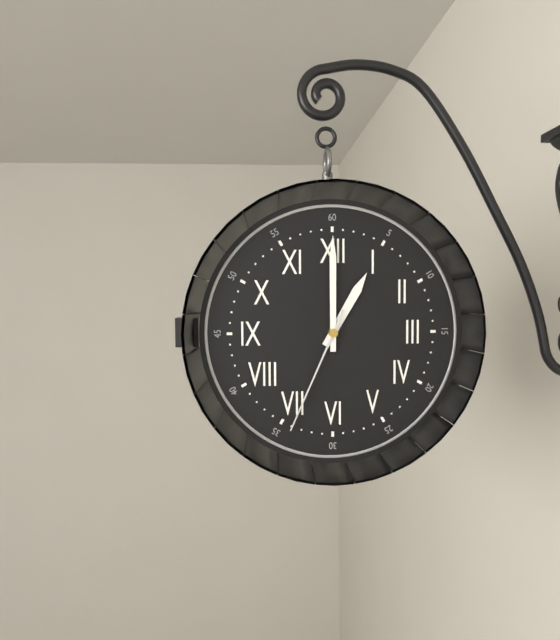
1:00:34
